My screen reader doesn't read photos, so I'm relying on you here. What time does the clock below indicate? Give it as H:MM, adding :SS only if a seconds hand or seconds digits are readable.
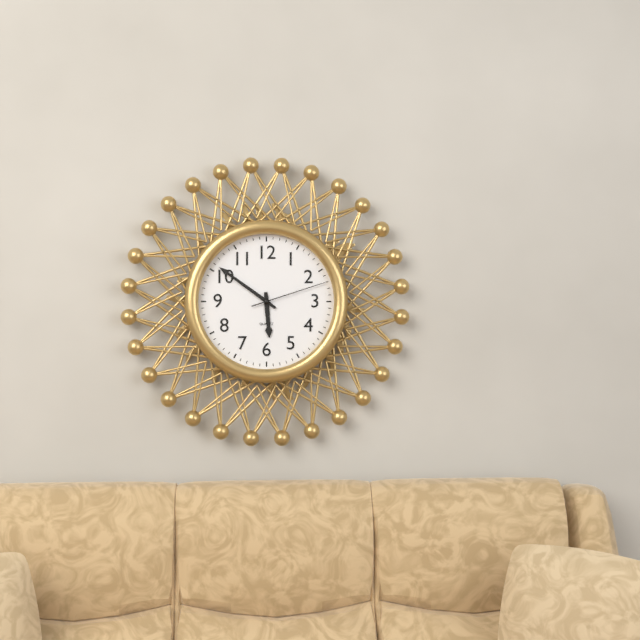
5:51:12
